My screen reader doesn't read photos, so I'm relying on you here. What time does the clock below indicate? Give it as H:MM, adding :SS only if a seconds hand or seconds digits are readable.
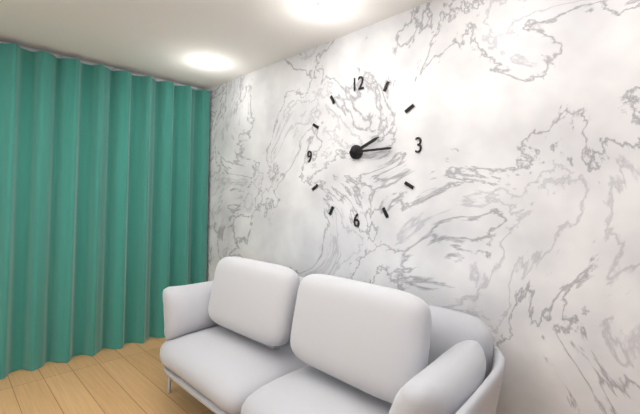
2:15
